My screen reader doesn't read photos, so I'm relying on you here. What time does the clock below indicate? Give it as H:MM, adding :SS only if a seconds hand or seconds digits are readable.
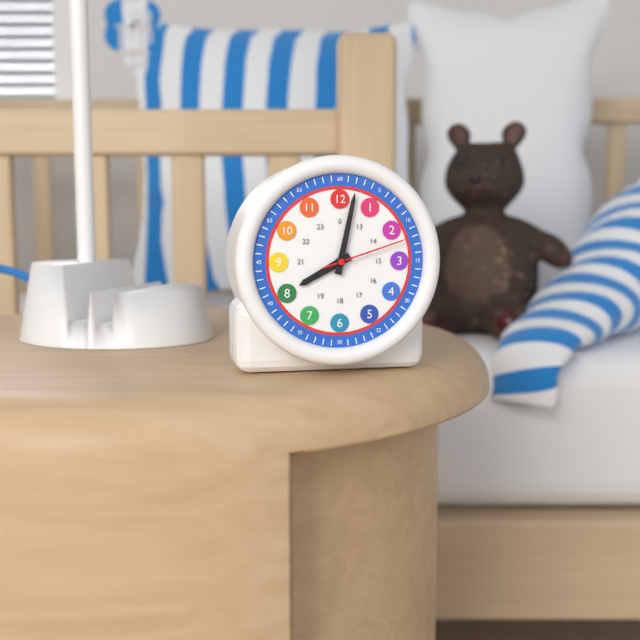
8:02:12
